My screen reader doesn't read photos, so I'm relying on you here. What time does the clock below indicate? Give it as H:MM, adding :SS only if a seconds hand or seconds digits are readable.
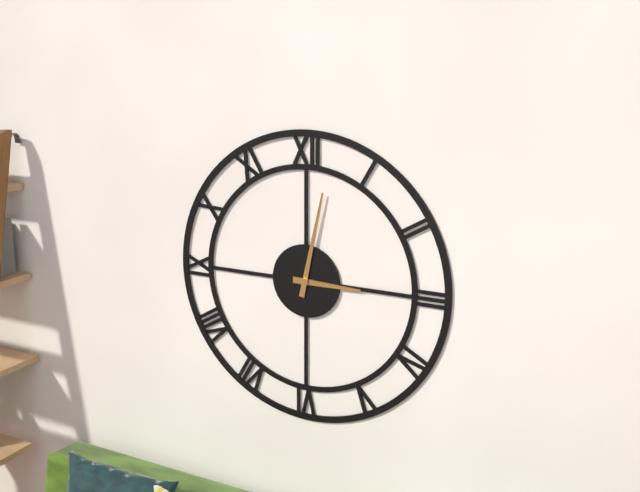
3:02
